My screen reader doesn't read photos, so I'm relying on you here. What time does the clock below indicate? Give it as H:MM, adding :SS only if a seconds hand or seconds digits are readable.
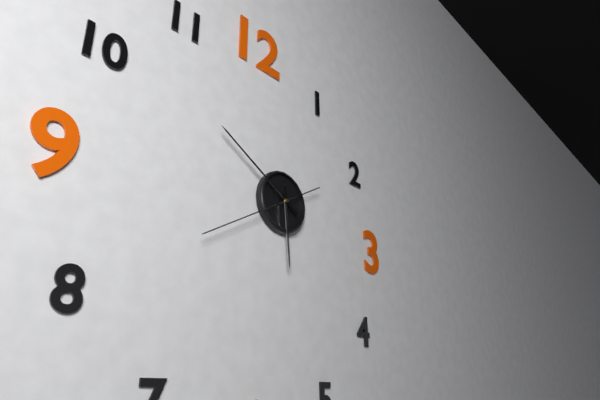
5:50:40
